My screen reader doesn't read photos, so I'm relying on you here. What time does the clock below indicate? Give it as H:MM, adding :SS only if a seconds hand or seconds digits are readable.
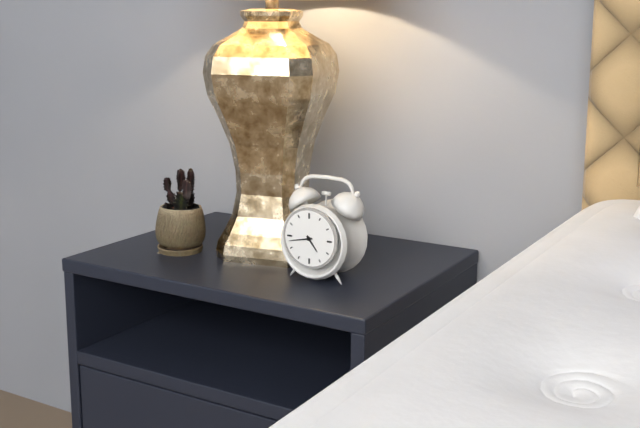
4:43
